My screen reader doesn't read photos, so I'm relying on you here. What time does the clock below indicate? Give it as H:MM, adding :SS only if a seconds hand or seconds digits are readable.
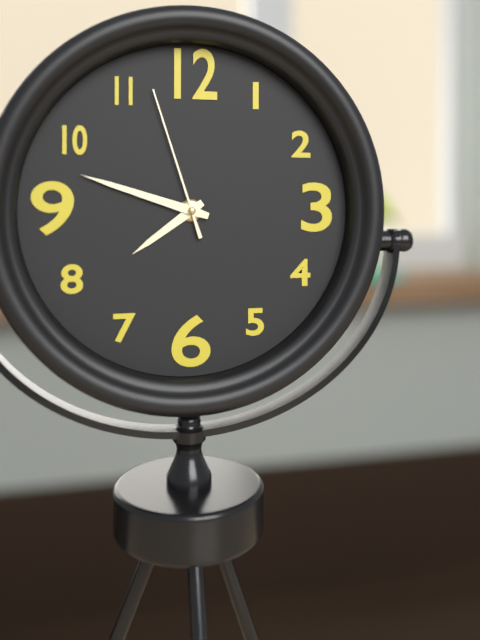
7:48:57
